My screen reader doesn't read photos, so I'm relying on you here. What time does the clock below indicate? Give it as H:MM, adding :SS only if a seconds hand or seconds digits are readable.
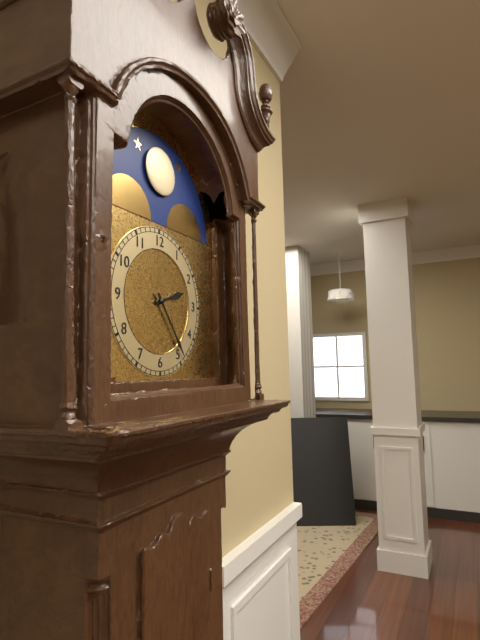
2:24
